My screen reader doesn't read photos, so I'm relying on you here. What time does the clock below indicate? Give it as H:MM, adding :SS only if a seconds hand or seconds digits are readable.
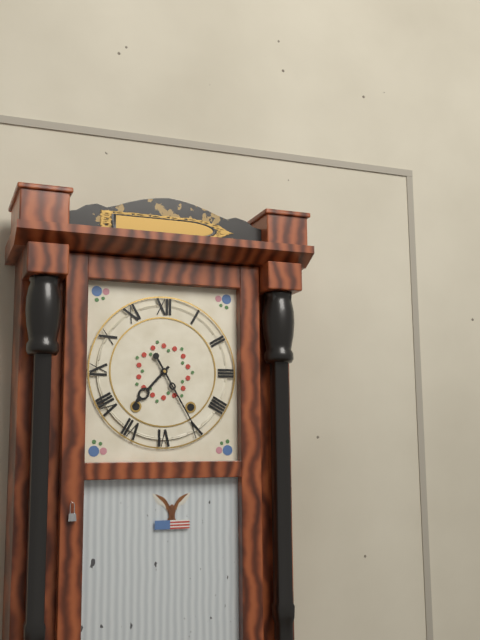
7:25
